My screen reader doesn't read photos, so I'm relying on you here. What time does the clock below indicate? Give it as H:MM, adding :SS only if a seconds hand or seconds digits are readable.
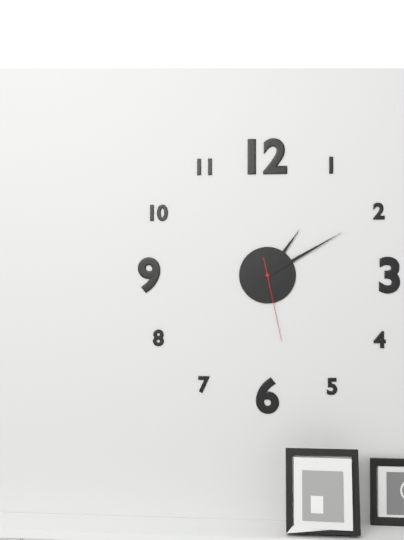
1:10:28
